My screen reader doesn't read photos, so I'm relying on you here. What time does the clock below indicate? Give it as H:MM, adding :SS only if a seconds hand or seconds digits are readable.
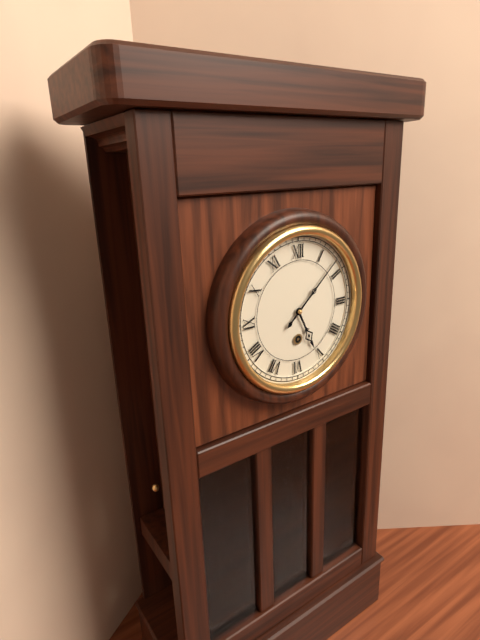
5:08
